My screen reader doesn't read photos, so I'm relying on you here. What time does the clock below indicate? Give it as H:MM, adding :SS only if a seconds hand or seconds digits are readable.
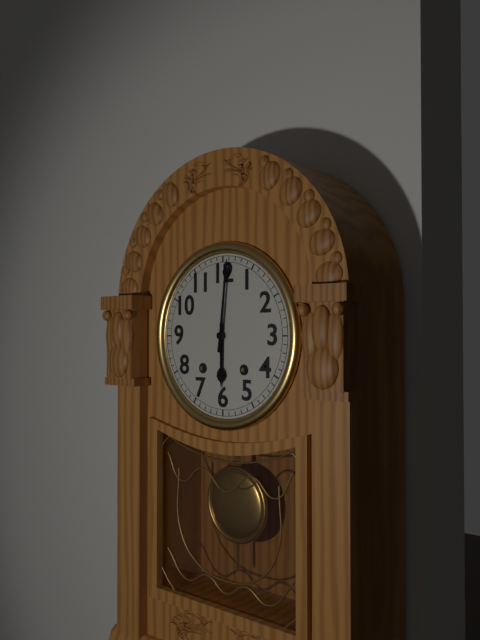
6:01
